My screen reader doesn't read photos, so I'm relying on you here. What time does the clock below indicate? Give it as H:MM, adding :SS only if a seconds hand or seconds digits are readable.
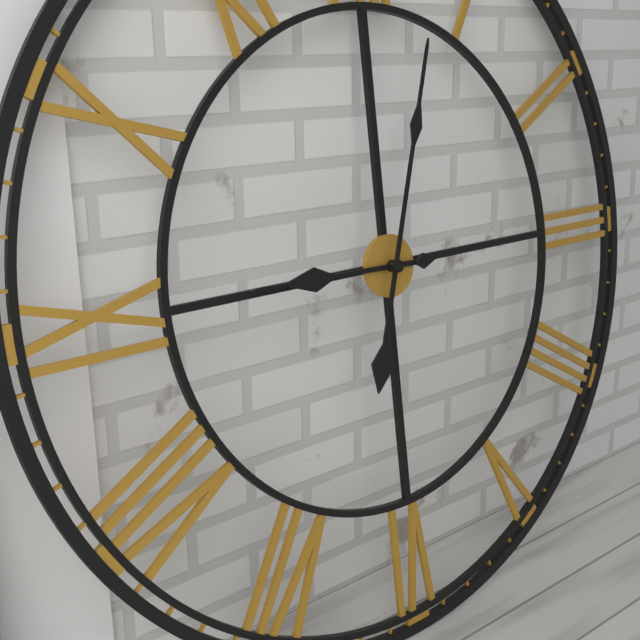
9:03
